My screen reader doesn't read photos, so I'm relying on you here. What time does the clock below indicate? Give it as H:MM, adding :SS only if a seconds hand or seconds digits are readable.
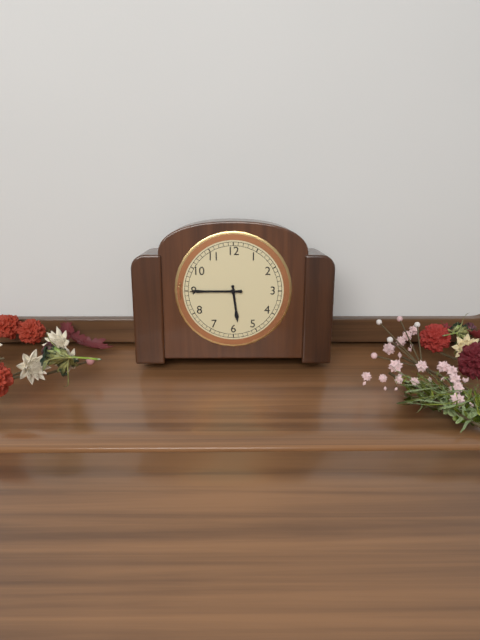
5:45
